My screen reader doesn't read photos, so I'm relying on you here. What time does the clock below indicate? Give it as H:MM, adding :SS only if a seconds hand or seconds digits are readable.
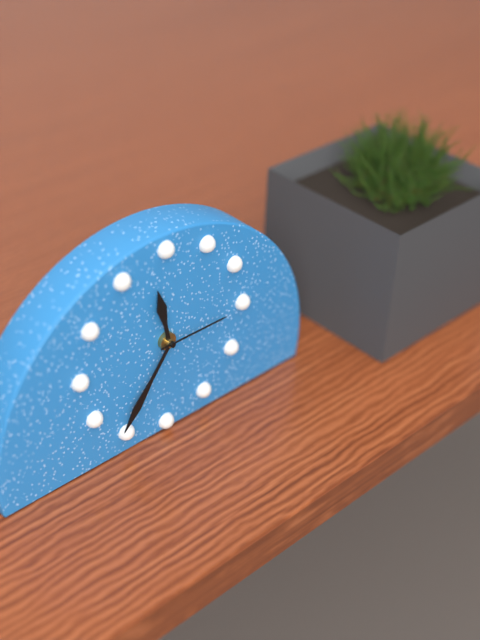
11:36:15
